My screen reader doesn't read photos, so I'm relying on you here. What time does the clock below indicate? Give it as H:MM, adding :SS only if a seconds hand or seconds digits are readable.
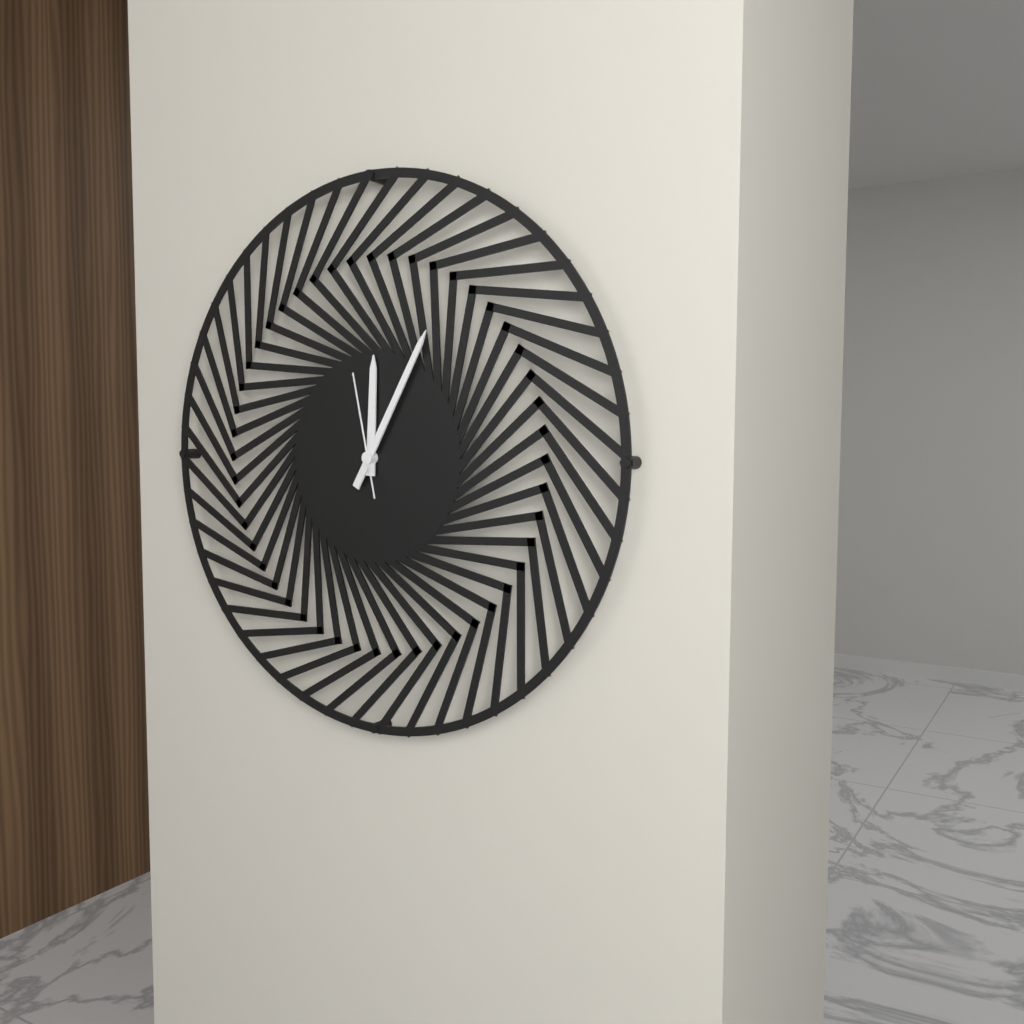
12:05:58
